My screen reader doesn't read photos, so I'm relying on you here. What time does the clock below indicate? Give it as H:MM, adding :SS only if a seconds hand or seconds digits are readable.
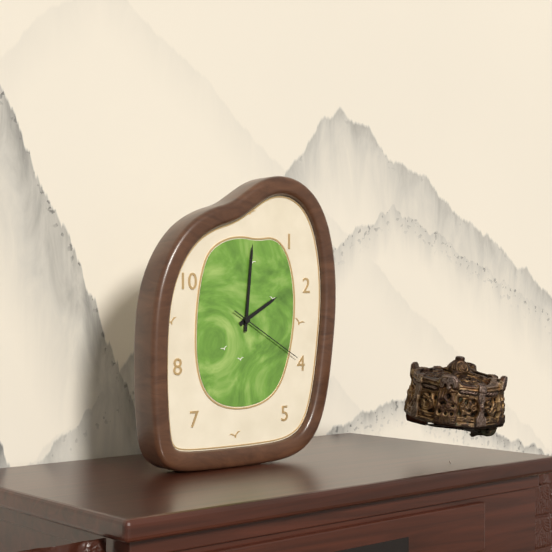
2:01:20
